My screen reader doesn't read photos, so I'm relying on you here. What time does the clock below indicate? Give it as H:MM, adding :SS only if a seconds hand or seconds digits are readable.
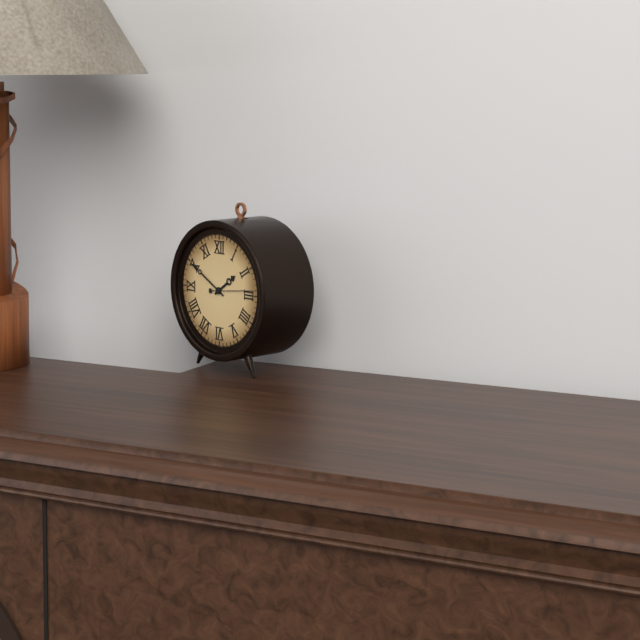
1:50
